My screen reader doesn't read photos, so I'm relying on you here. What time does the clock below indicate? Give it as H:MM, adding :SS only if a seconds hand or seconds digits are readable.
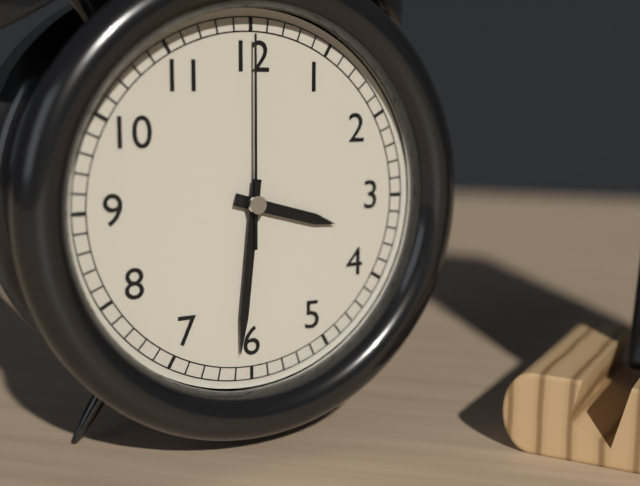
3:31:00
